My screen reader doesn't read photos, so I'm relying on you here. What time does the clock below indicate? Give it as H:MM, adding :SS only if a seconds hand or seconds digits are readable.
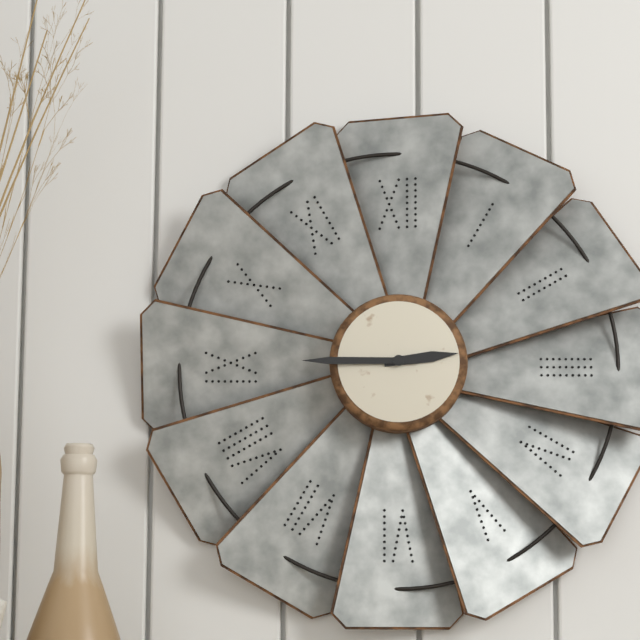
2:45
